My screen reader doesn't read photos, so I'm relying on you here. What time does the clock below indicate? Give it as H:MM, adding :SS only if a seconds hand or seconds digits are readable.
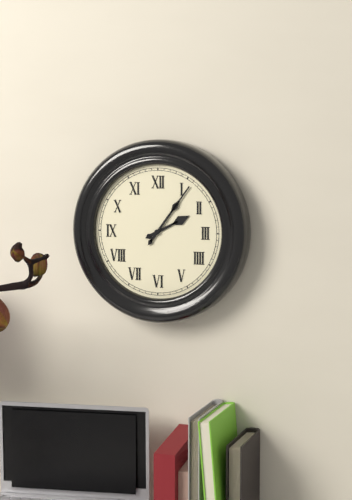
2:06
